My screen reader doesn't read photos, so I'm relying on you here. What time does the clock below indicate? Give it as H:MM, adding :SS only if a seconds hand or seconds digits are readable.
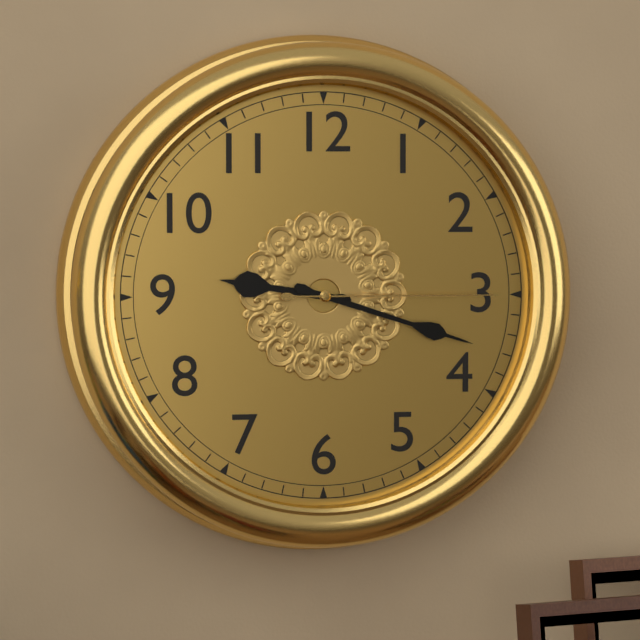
9:18:15
